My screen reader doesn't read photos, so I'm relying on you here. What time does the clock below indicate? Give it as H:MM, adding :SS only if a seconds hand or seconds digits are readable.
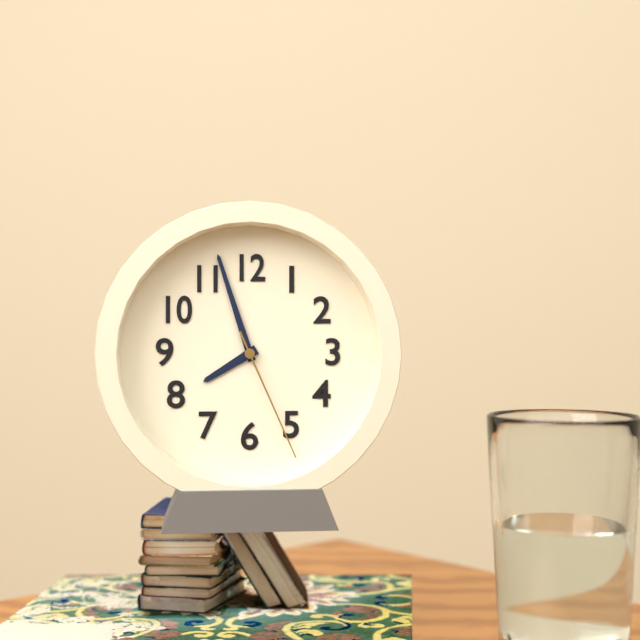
7:57:26
